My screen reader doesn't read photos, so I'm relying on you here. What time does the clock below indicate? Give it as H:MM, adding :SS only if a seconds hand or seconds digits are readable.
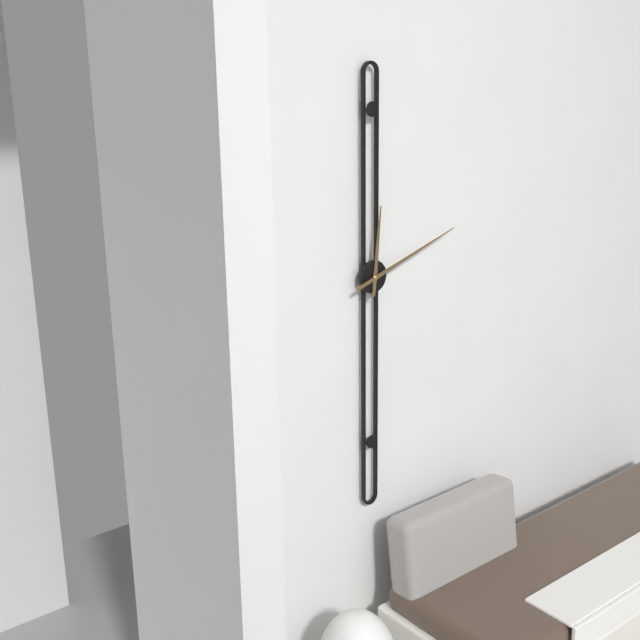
12:12
